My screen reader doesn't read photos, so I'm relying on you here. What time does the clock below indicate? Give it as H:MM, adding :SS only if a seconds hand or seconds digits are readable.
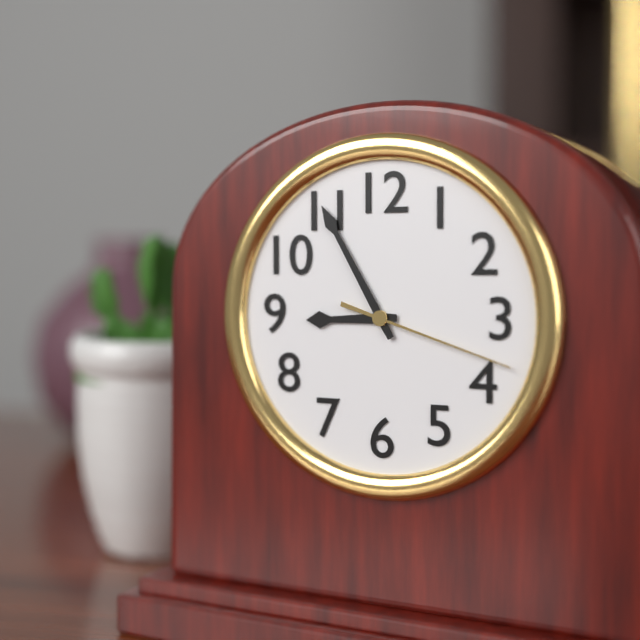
8:55:18
